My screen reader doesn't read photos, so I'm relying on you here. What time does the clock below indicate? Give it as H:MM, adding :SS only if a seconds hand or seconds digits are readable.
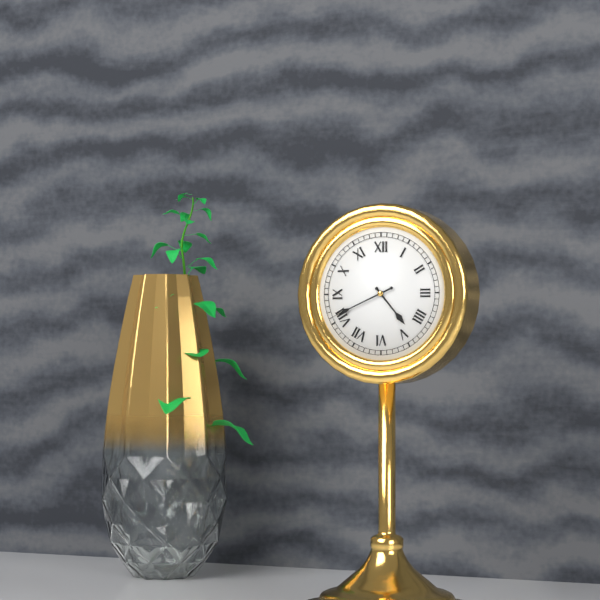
4:41
